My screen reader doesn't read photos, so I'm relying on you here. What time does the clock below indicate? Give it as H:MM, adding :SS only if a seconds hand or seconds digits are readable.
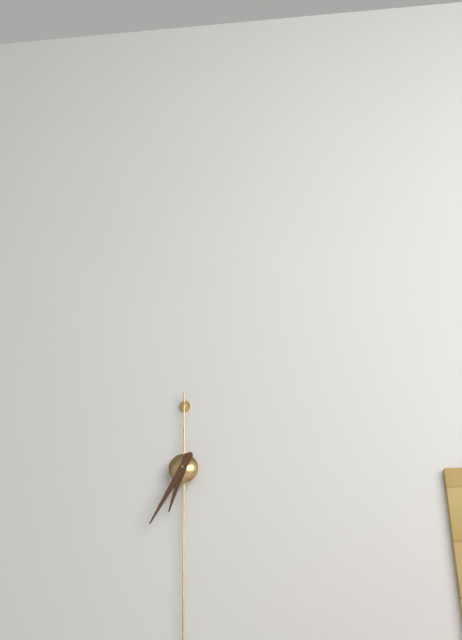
6:35
